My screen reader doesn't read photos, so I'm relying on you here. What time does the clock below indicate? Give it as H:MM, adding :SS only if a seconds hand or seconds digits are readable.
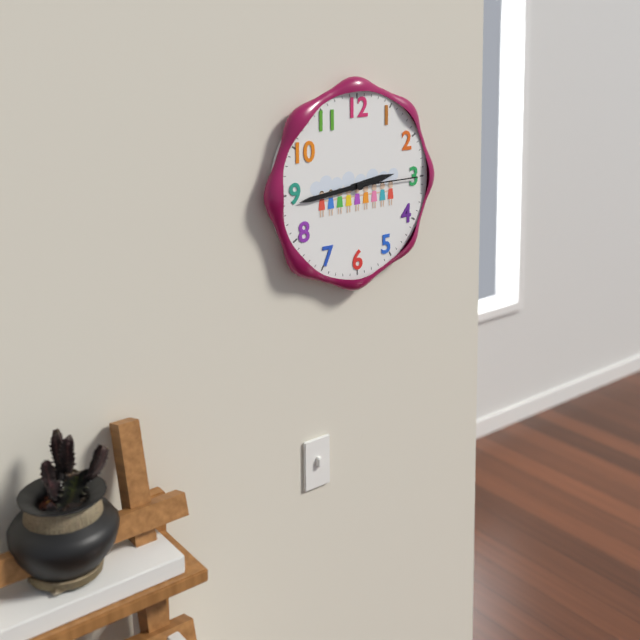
2:44:15
